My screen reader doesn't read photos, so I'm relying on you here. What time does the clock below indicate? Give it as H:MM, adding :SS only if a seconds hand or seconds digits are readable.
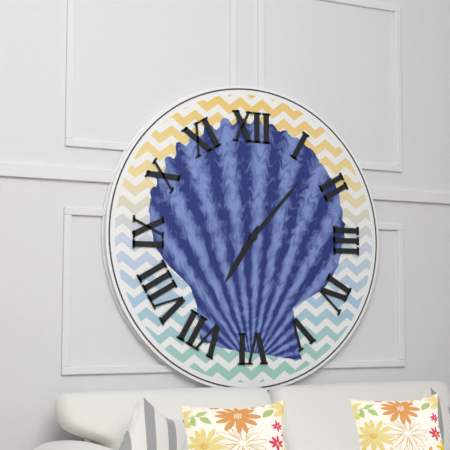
7:07
